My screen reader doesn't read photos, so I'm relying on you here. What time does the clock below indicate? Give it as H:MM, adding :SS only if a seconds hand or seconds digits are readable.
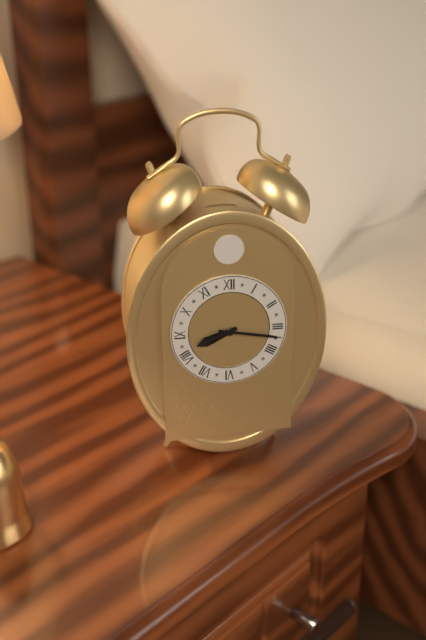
8:17
